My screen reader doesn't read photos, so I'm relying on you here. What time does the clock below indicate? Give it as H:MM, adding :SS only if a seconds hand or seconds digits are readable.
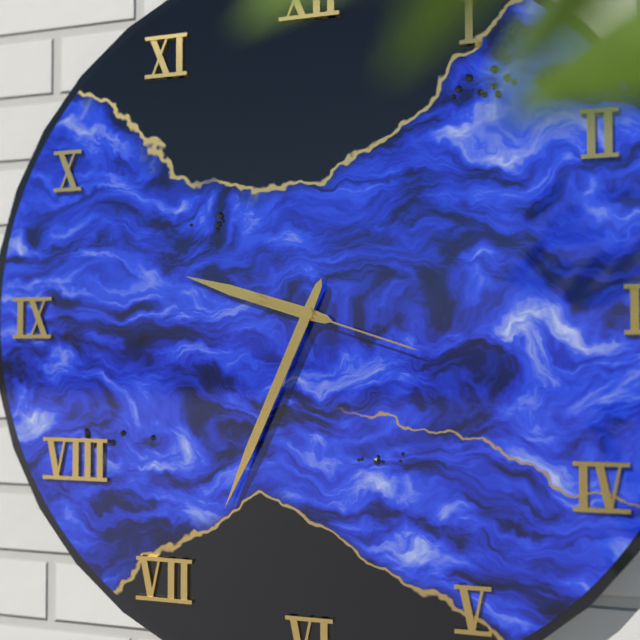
9:34:18
